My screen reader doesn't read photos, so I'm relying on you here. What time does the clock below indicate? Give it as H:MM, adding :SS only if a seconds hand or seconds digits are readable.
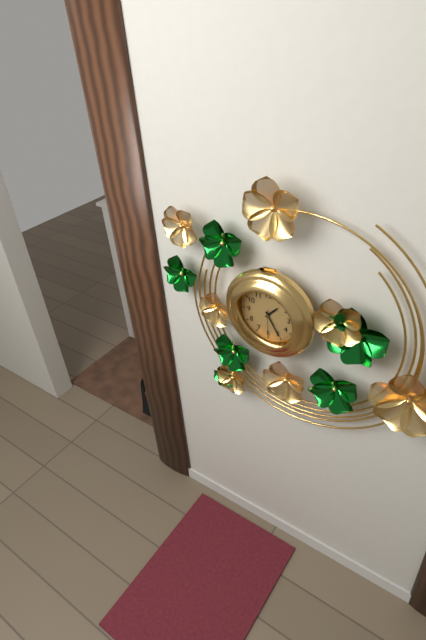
1:25
